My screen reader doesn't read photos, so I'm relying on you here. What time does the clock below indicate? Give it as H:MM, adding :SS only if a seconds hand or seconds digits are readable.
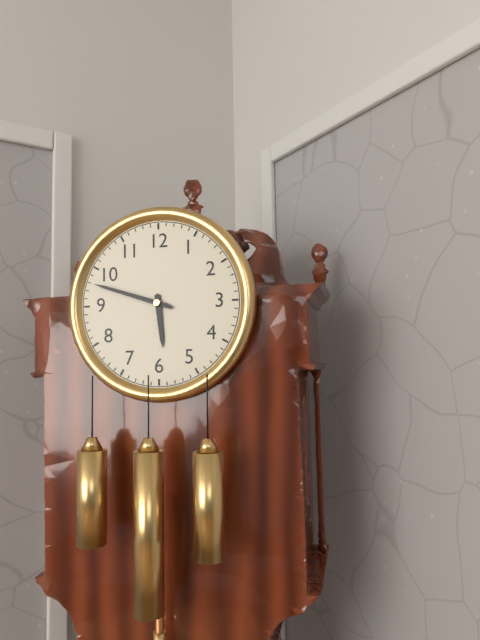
5:48
